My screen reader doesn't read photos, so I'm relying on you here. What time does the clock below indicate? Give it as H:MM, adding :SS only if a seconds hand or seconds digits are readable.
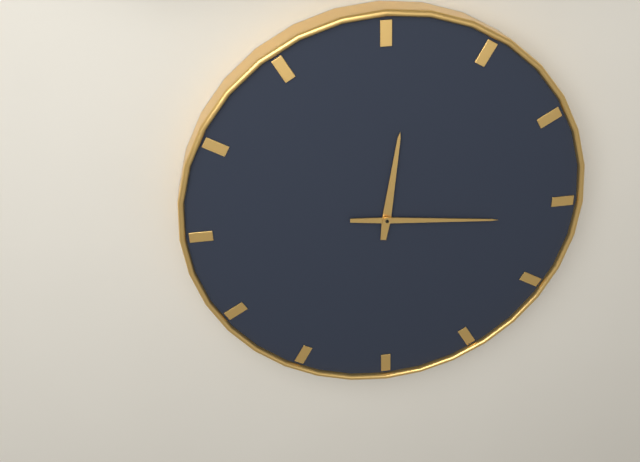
12:16
